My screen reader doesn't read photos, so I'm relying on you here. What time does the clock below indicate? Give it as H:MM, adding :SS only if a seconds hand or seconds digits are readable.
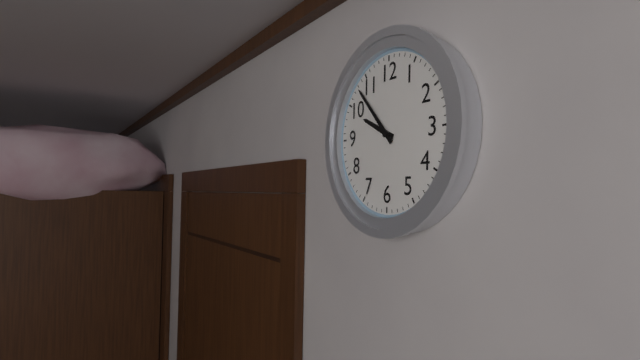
9:53
